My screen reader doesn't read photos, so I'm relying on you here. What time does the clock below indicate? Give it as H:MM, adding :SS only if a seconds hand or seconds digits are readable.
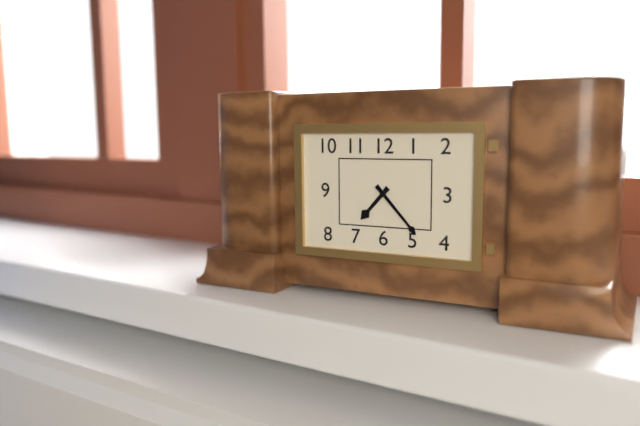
7:23
